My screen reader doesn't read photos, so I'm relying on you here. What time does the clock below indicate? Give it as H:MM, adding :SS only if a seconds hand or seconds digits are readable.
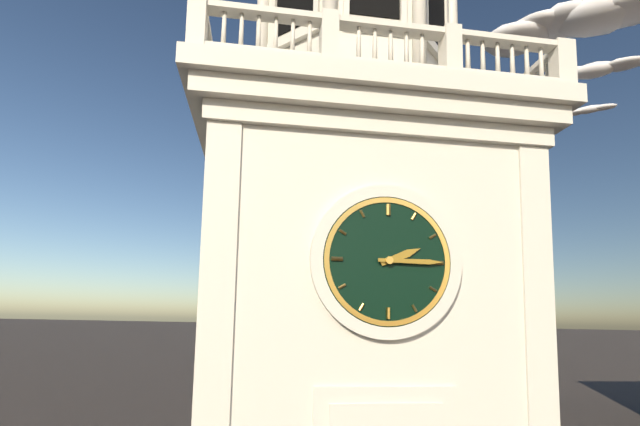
2:15
